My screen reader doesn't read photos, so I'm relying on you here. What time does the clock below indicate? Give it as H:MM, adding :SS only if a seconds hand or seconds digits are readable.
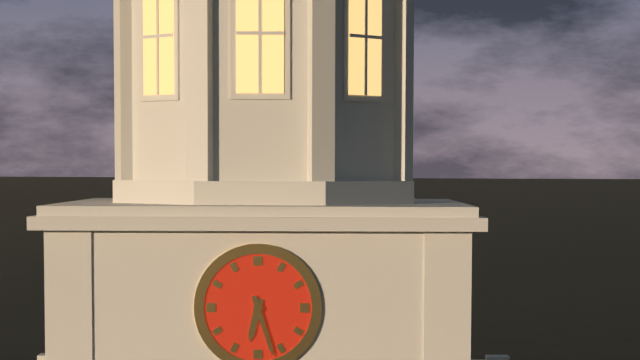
6:27
